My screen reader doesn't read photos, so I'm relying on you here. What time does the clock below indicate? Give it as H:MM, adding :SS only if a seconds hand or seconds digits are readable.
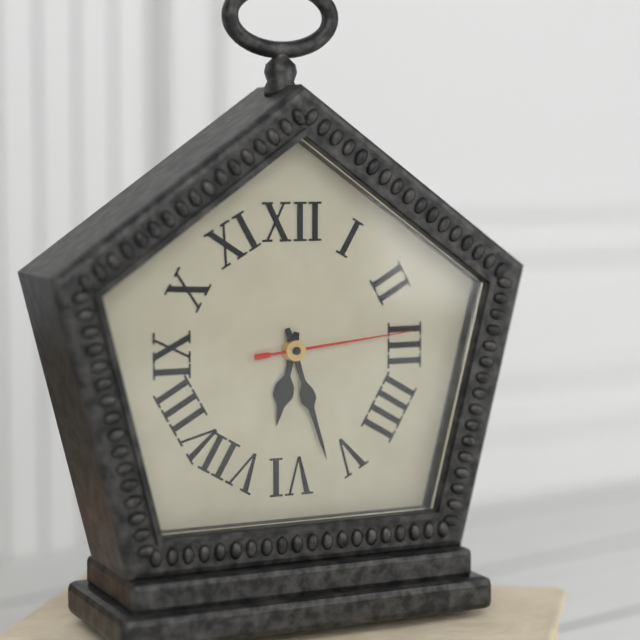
6:27:14
